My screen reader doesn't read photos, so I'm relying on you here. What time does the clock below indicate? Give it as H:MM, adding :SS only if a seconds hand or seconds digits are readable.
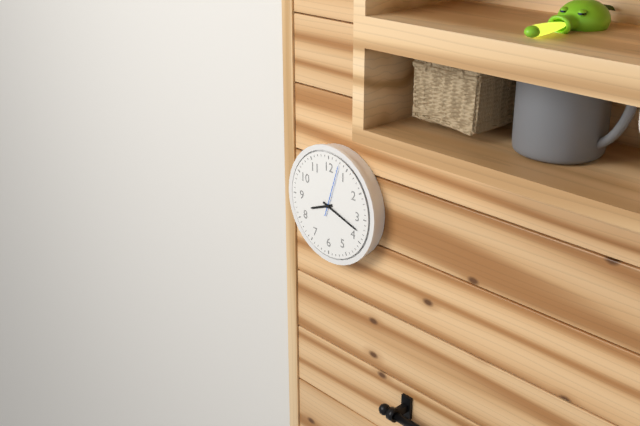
8:18:03
